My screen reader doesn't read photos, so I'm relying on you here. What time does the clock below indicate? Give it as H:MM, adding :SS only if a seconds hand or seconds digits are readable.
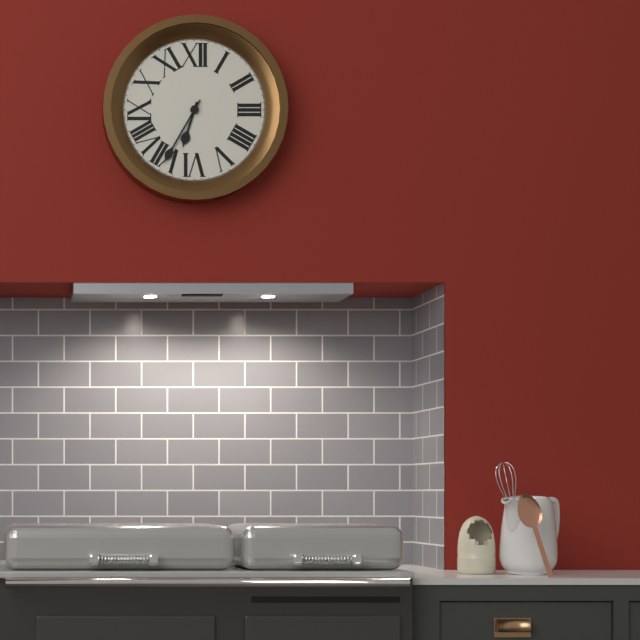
6:35
